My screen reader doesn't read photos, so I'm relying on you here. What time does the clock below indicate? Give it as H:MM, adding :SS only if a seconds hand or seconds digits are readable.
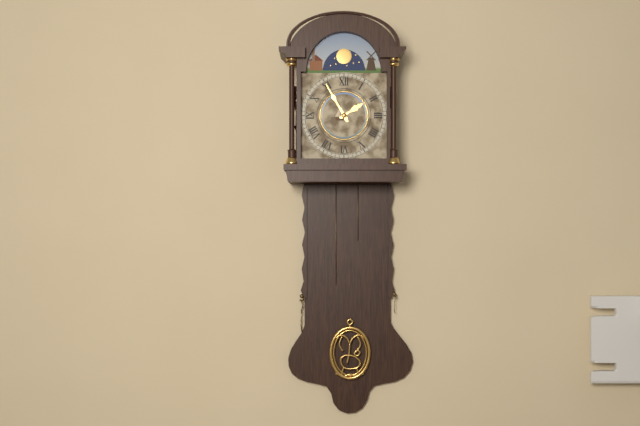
1:55
